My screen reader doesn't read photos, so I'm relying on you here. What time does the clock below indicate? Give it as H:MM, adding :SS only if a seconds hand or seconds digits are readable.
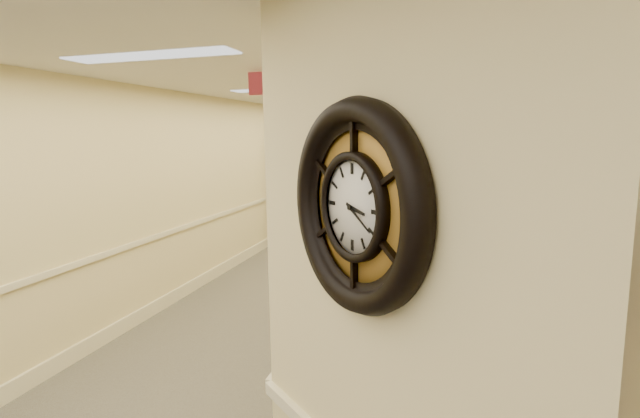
3:20
